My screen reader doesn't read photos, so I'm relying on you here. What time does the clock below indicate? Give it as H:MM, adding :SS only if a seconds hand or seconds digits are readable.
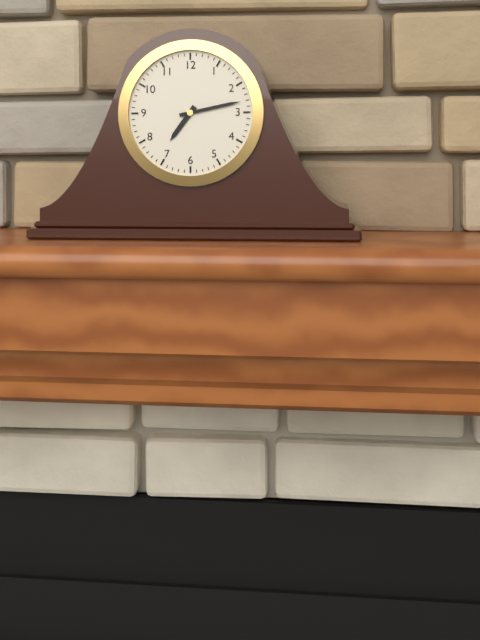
7:13
